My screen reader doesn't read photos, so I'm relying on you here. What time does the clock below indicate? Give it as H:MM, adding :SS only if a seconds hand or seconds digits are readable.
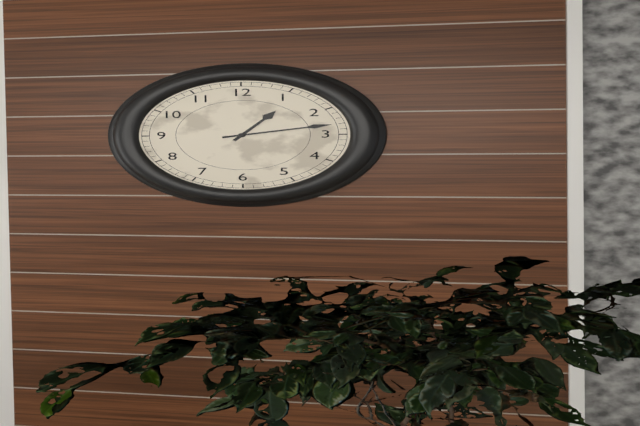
1:13
